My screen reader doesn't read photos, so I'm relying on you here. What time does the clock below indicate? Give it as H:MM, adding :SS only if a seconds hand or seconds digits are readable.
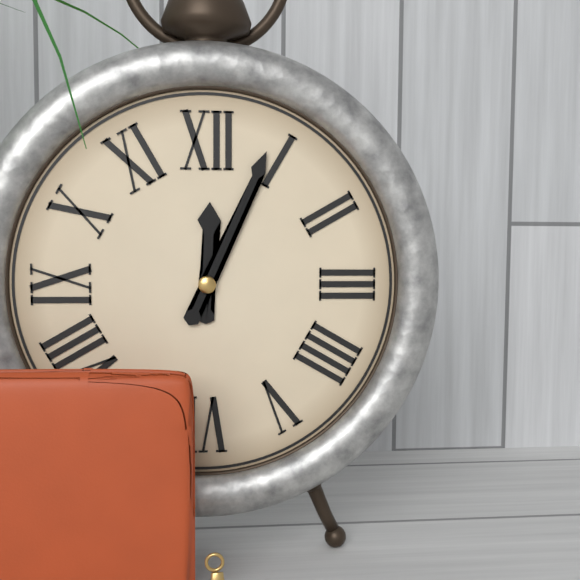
12:04
